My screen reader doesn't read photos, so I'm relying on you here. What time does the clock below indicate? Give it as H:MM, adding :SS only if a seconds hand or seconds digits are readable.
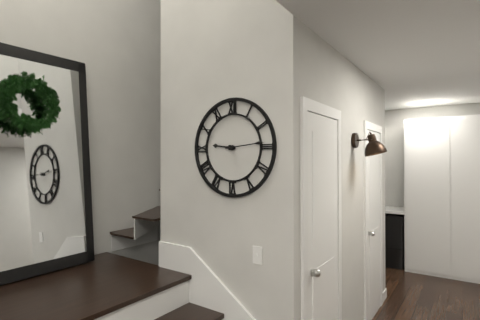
9:14
